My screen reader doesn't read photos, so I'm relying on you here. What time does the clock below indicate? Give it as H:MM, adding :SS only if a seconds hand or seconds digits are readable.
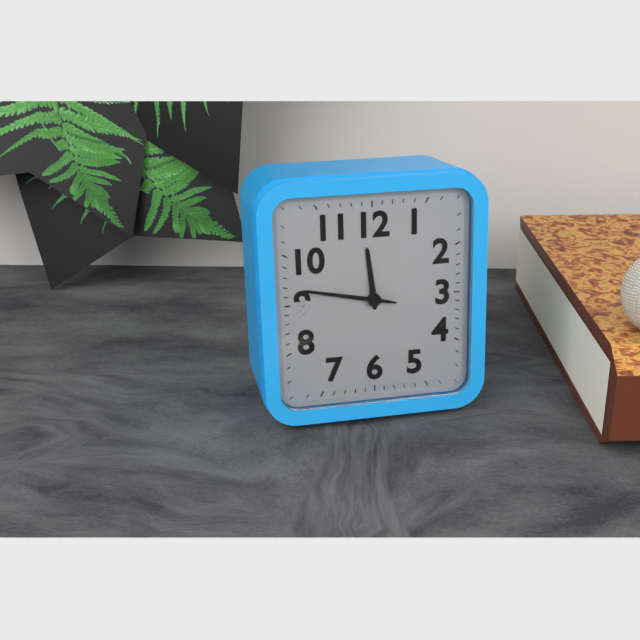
11:47
